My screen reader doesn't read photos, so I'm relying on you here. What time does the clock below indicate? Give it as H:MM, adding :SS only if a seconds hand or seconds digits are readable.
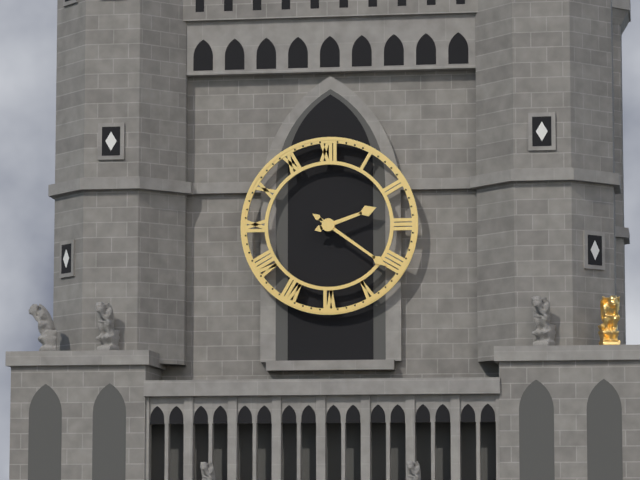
2:21
